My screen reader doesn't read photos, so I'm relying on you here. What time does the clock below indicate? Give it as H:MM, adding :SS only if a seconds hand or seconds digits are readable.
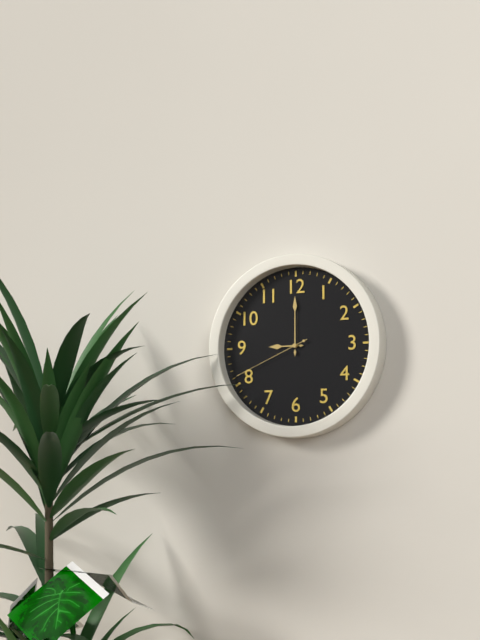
9:00:41
